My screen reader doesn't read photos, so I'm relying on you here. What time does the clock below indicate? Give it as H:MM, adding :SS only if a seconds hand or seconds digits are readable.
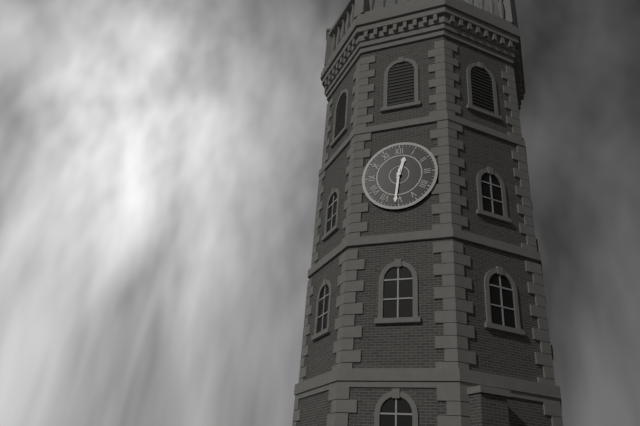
12:31
